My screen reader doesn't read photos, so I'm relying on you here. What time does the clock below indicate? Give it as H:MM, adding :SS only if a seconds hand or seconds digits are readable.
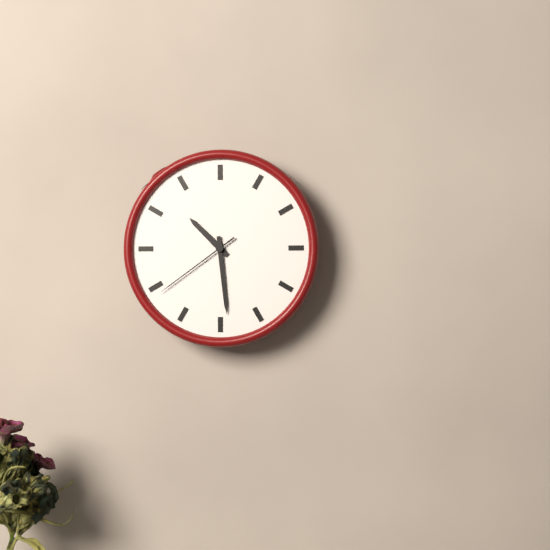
10:29:39
